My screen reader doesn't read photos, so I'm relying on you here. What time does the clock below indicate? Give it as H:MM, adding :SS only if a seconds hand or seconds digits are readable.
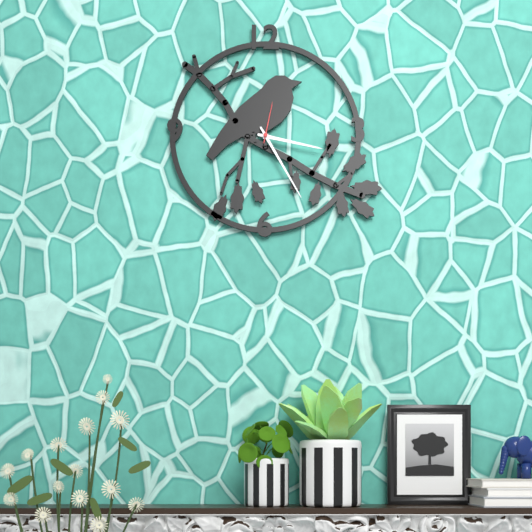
3:25
